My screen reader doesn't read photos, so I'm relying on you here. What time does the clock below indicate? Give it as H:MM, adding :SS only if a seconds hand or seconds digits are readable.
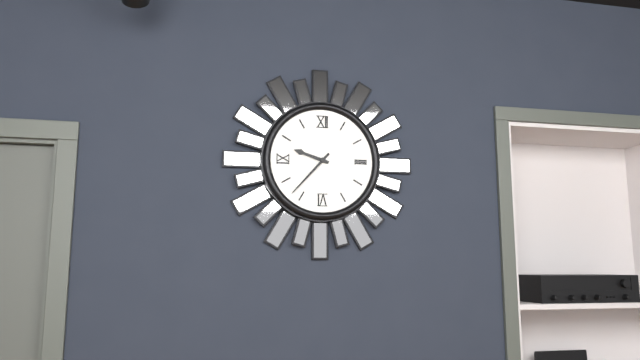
9:37
